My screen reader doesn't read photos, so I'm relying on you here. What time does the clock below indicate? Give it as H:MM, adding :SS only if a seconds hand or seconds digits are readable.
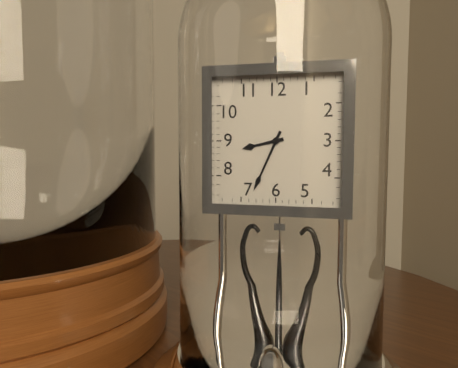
8:34
